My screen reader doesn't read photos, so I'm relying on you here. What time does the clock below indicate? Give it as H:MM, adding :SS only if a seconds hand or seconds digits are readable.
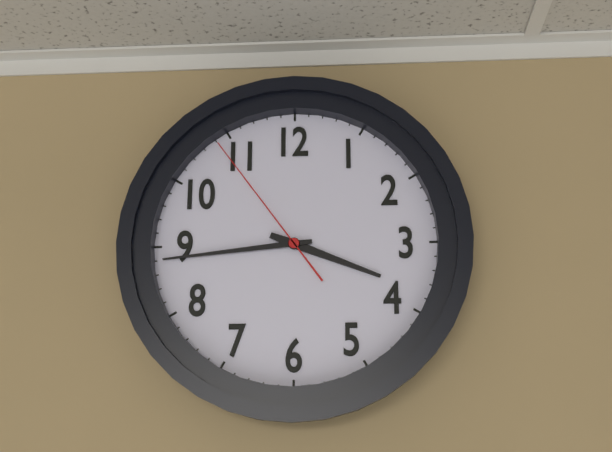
3:44:54
